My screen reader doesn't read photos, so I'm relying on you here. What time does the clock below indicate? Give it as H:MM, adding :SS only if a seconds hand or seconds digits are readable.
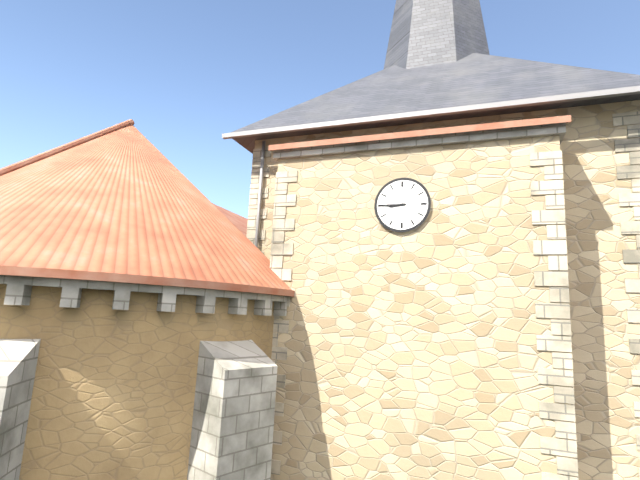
8:45
